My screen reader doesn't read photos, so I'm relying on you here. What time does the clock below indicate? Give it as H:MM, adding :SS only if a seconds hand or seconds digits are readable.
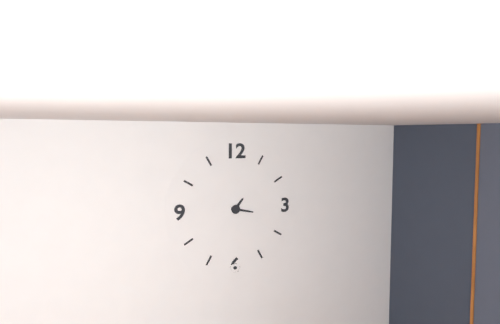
1:17
